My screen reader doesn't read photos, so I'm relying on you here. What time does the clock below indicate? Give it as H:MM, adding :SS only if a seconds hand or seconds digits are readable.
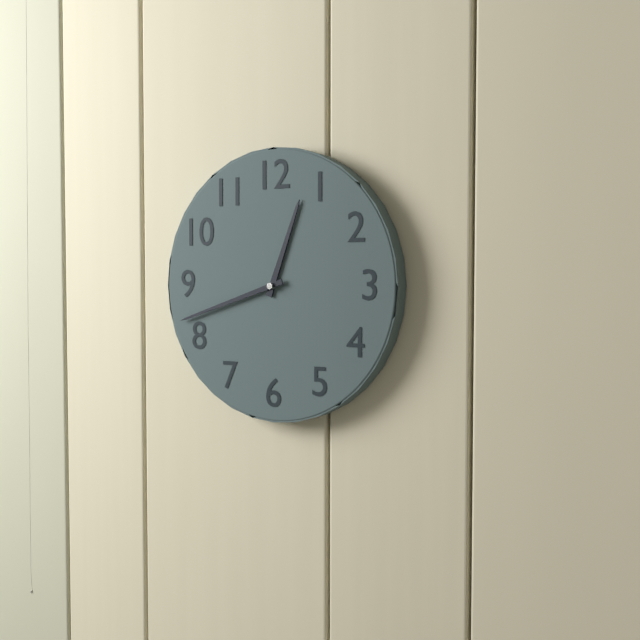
12:42
